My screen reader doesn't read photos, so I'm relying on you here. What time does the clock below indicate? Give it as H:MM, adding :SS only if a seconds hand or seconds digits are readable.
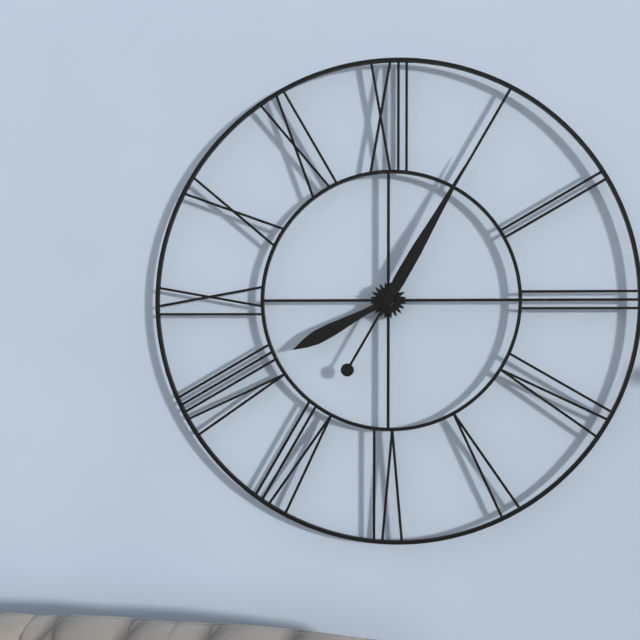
8:05
